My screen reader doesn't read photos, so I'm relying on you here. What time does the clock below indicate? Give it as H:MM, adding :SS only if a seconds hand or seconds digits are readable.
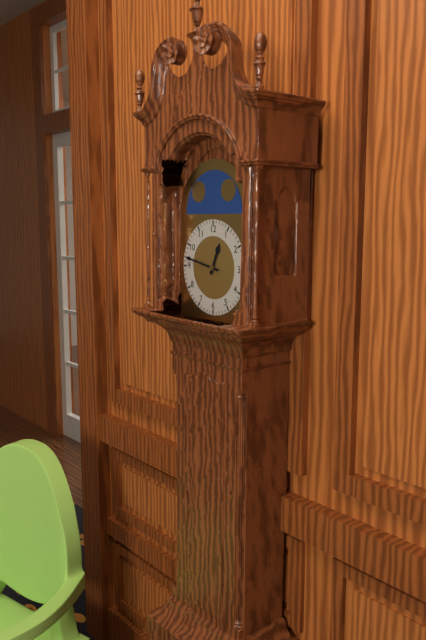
12:47
